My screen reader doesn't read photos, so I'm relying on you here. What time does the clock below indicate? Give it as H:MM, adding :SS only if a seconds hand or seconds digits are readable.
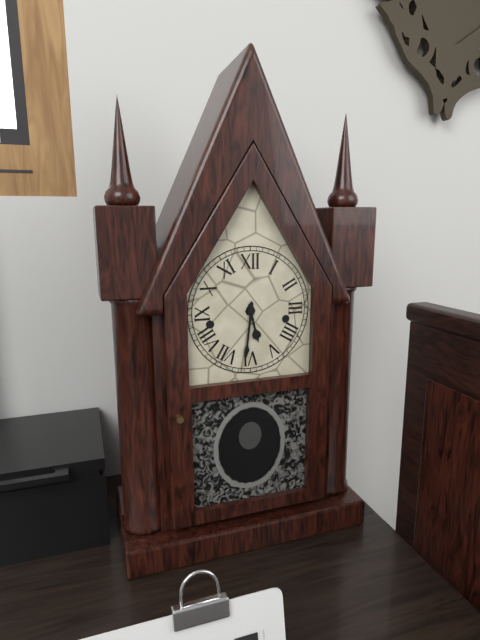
5:31
